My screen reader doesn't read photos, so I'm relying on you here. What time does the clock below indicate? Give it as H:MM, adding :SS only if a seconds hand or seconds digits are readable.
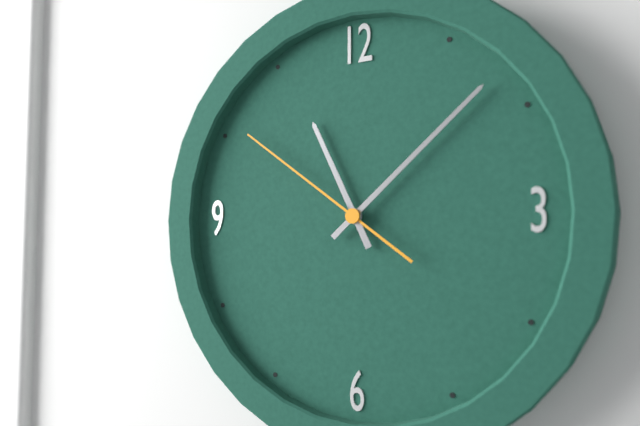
11:08:51
